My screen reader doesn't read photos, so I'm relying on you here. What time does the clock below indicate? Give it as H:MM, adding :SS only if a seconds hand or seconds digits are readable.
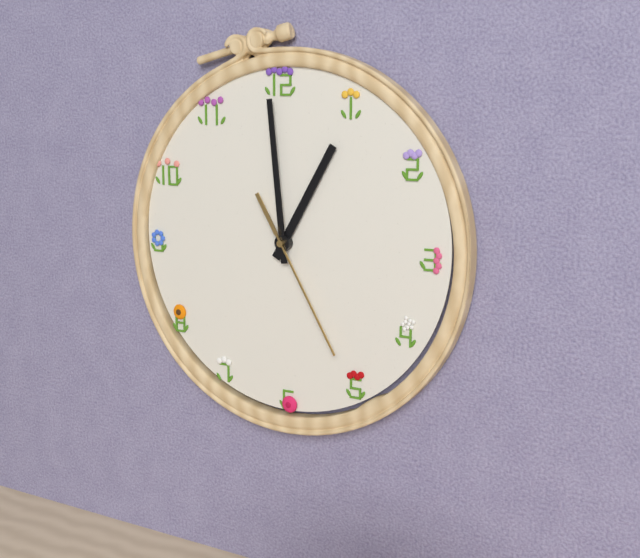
12:59:25
